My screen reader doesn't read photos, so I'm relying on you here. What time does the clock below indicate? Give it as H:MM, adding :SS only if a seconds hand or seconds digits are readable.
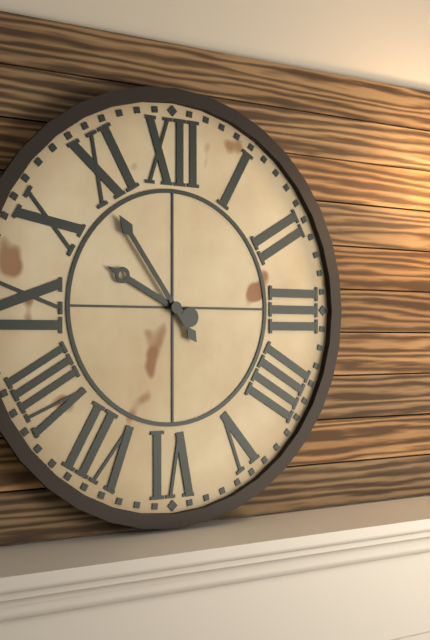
9:54
